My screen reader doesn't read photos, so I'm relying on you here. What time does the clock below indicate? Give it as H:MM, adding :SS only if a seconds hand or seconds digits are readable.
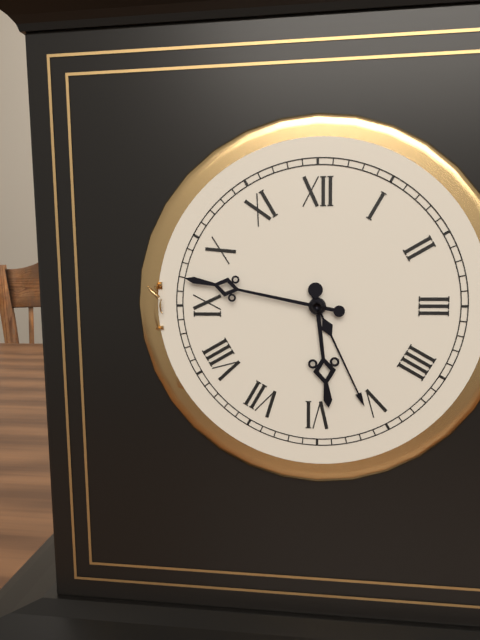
5:47
